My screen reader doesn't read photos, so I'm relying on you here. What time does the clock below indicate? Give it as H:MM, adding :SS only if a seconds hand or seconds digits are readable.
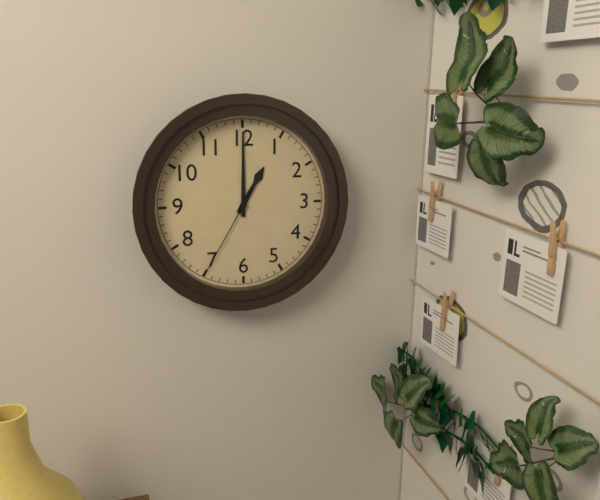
1:00:35
